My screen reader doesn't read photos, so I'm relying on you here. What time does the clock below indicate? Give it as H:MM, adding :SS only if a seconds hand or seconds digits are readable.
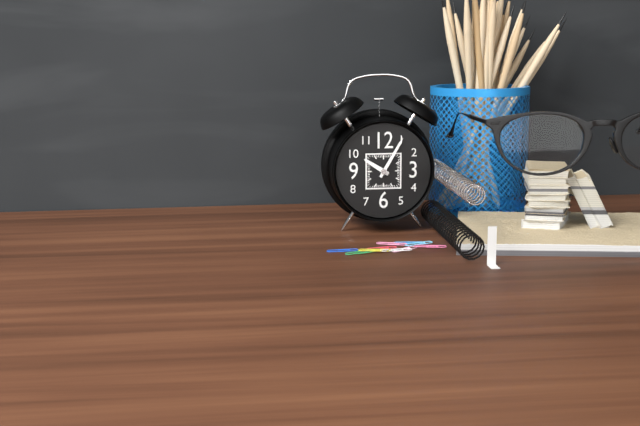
10:05
